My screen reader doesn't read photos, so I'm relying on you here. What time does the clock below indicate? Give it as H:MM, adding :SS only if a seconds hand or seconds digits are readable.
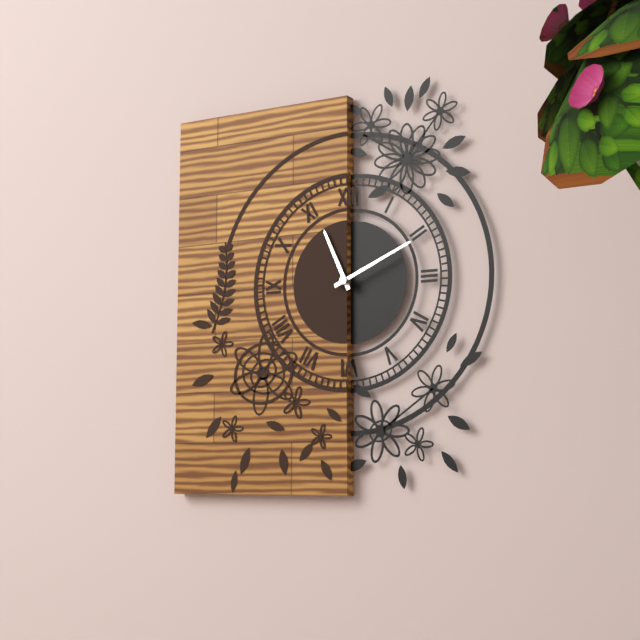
11:11
